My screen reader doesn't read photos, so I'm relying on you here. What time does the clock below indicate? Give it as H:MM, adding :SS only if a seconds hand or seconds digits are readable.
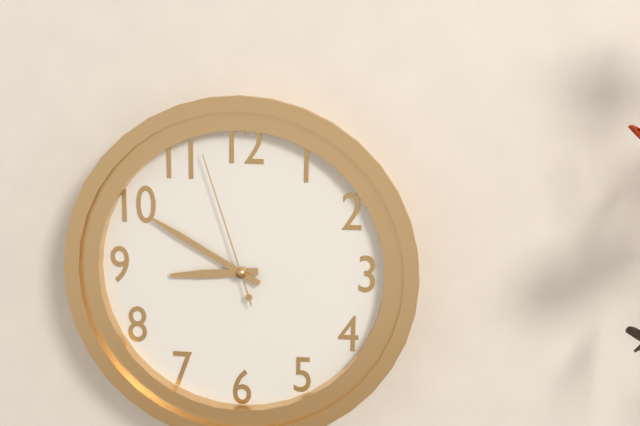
8:50:57
